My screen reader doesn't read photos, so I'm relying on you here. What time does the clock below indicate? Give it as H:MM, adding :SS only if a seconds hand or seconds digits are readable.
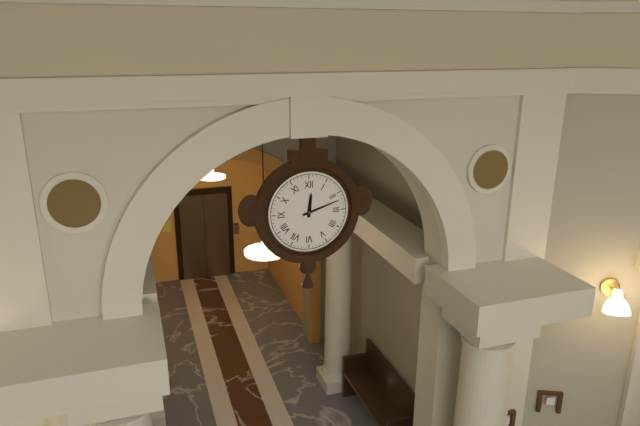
12:12
